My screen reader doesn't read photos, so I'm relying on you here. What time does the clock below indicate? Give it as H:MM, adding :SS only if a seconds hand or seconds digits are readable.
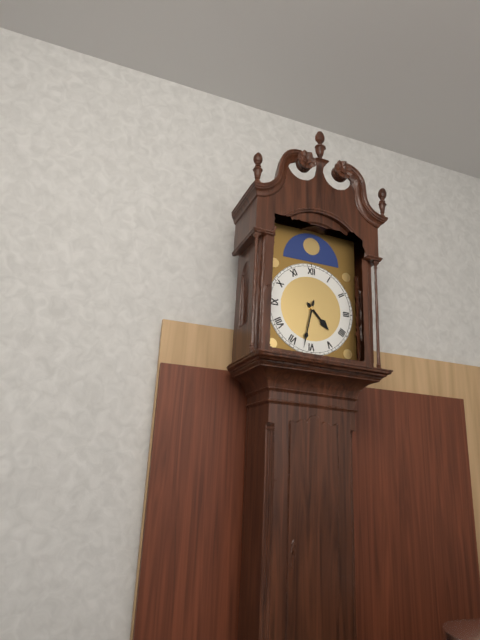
4:32
